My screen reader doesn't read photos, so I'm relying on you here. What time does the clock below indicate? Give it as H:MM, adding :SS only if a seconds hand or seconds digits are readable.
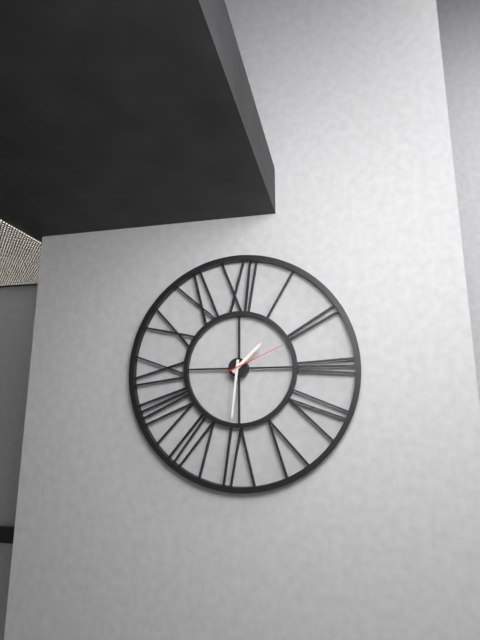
1:31:11
